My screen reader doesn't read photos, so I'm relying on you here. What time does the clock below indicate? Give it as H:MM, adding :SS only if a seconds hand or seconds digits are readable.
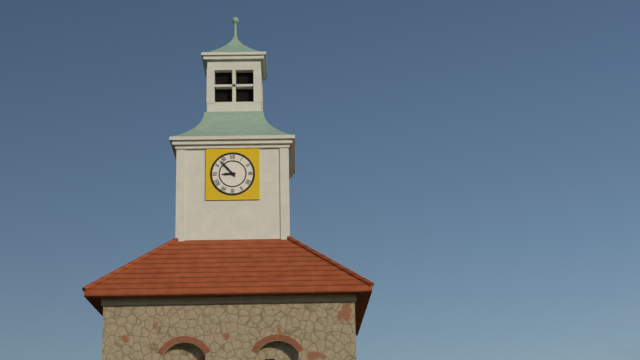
8:53
